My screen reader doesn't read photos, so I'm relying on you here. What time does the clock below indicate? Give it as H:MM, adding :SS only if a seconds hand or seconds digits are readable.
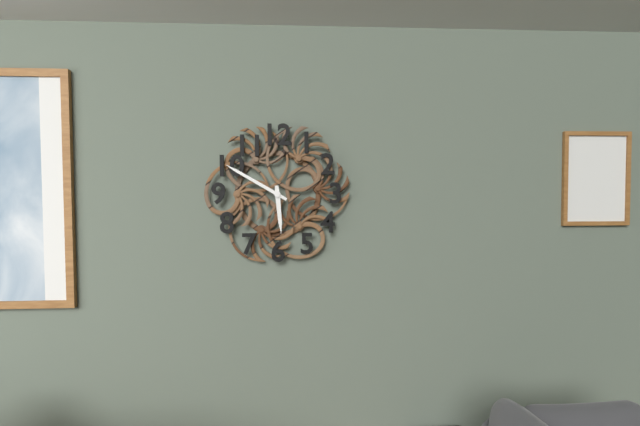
5:50
